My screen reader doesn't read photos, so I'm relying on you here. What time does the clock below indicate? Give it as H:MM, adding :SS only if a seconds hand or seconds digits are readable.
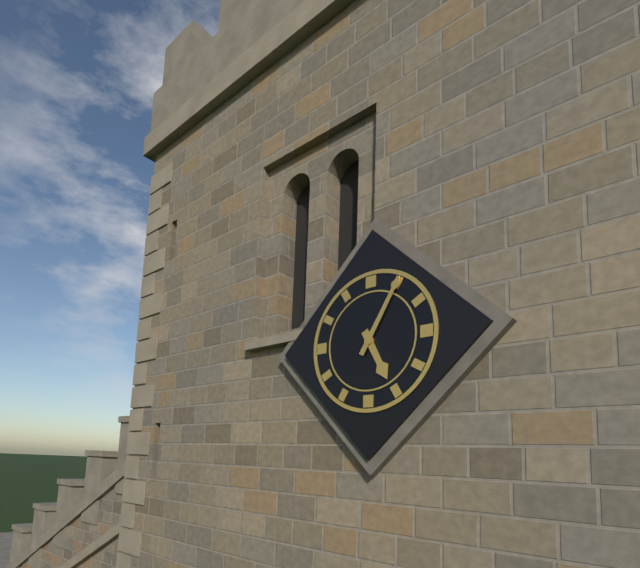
5:05
